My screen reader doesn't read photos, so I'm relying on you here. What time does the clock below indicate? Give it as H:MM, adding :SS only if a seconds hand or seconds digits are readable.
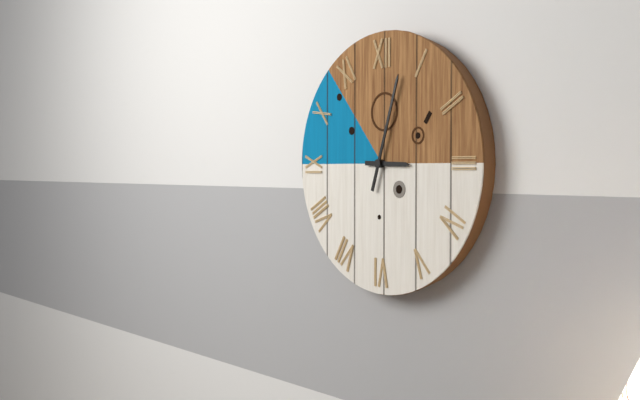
3:03
